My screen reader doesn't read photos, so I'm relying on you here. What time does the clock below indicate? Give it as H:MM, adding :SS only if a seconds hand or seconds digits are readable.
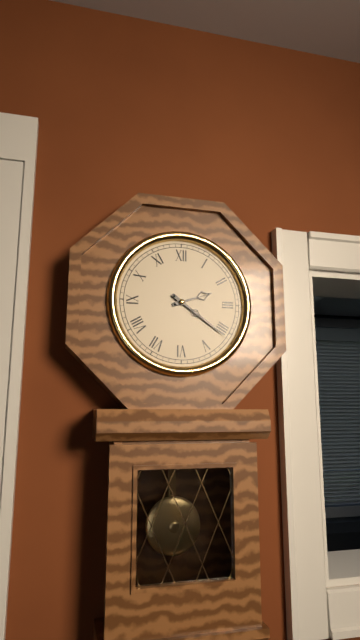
2:21
